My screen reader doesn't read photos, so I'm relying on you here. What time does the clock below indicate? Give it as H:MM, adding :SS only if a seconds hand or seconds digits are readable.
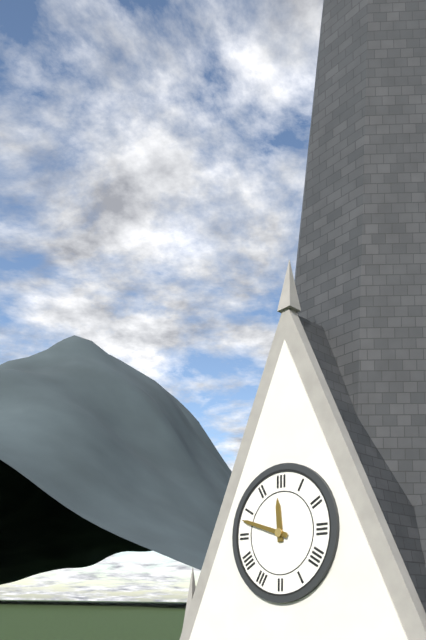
11:48
